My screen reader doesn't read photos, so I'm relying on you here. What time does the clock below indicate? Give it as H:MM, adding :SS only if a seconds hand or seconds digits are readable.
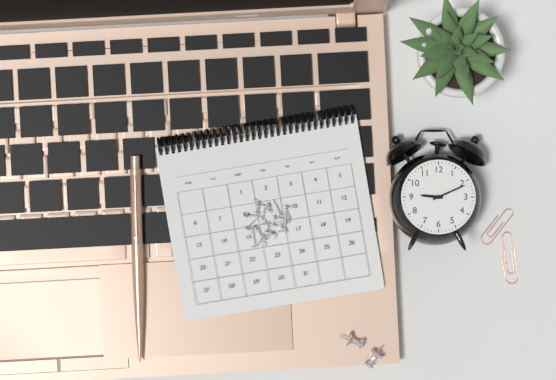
9:11
